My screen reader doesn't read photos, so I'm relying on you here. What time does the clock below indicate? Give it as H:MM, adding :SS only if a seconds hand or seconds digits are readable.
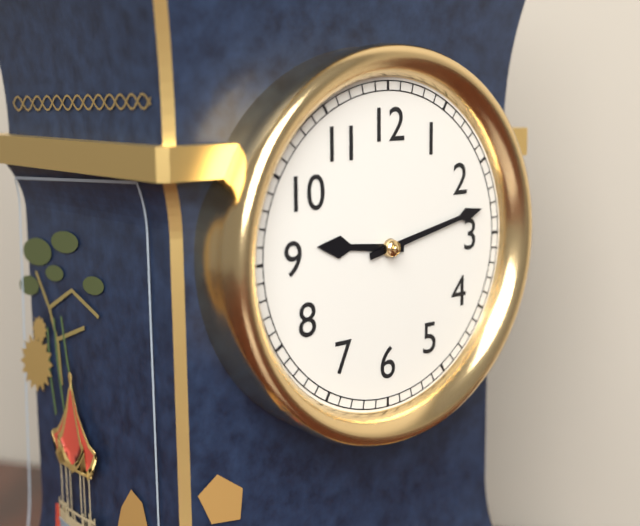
9:13
